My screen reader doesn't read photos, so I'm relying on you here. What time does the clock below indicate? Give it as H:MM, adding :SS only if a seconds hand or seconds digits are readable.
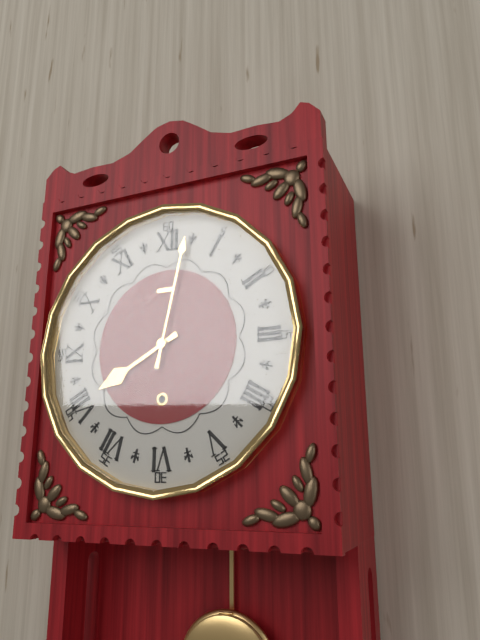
8:02
